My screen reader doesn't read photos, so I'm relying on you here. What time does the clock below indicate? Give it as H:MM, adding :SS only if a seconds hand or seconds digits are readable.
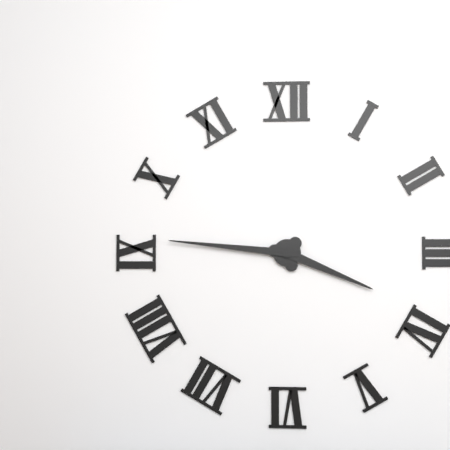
3:46
